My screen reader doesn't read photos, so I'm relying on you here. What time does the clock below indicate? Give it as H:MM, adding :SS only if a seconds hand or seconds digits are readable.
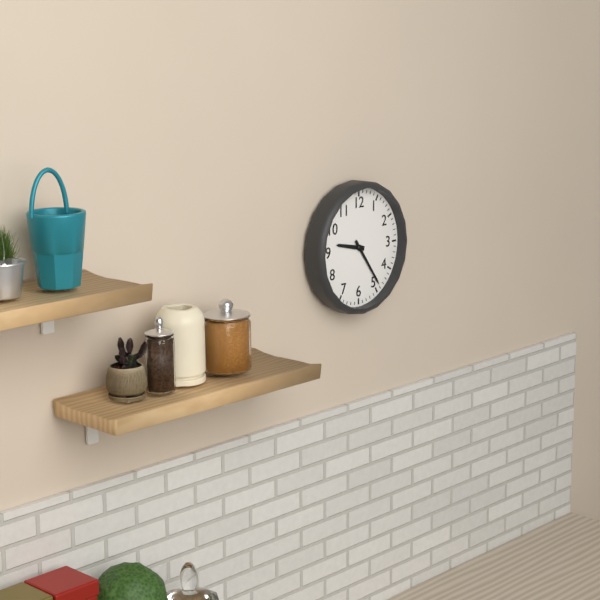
9:24
